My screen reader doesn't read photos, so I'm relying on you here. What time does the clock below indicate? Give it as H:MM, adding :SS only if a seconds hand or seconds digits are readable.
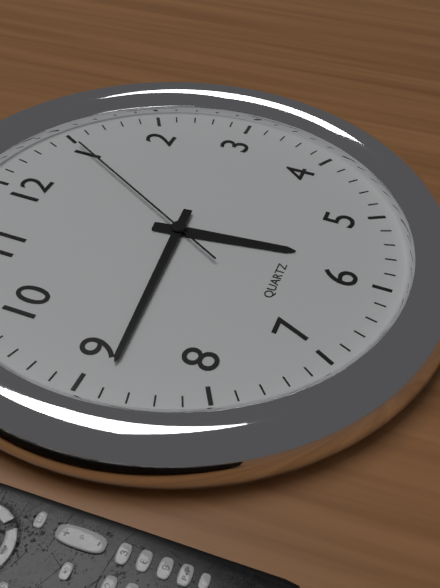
5:44:05
